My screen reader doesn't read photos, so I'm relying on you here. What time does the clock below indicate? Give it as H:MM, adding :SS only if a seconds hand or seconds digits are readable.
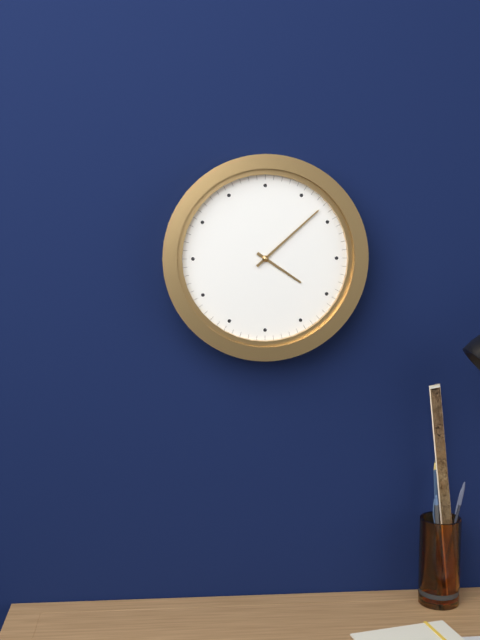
4:08
